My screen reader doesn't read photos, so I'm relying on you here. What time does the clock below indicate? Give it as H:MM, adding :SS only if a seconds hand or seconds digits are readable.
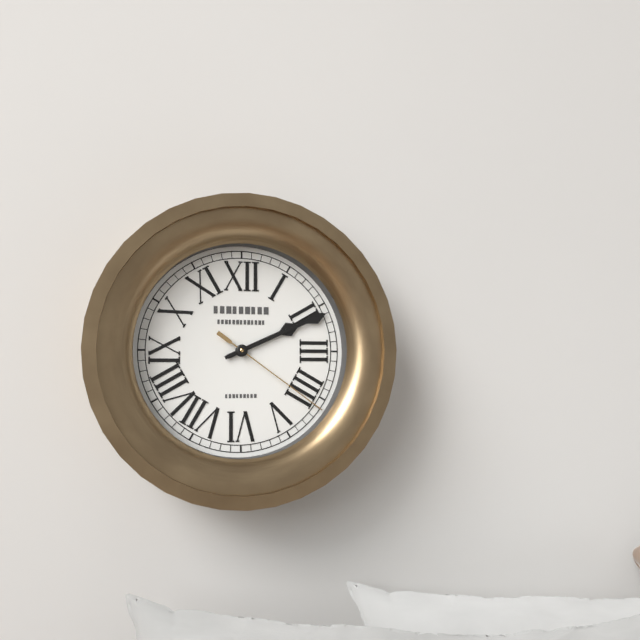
2:11:21
